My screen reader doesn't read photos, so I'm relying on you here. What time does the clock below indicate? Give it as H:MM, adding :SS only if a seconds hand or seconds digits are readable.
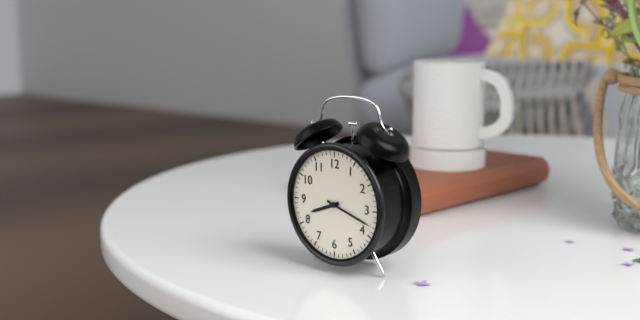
8:18
